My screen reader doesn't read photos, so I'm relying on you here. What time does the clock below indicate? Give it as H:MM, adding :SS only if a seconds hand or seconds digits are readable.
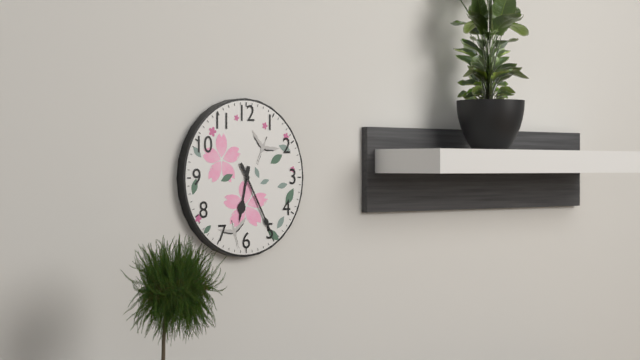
6:25
